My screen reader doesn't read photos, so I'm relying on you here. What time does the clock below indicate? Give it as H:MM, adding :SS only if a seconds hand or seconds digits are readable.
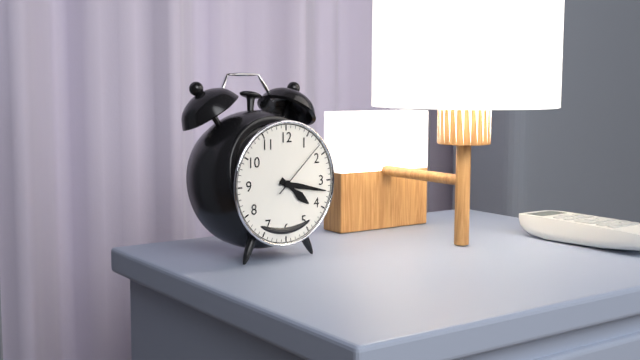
4:17:08
